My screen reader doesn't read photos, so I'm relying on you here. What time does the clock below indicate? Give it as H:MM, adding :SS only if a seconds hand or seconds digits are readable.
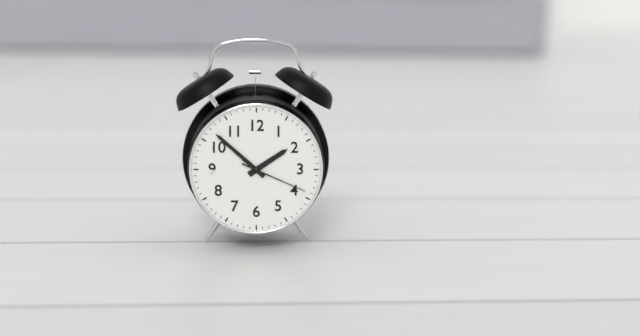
1:52:19
